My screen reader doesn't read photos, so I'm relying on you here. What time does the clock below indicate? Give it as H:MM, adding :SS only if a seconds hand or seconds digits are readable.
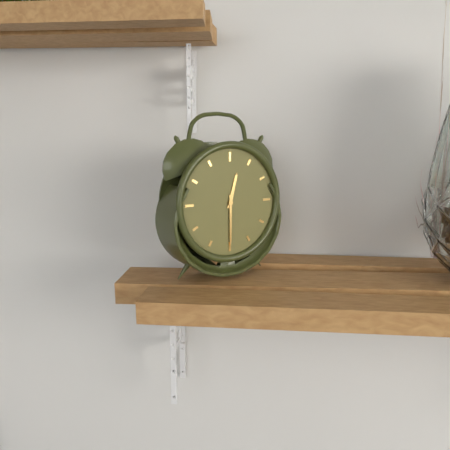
12:30
